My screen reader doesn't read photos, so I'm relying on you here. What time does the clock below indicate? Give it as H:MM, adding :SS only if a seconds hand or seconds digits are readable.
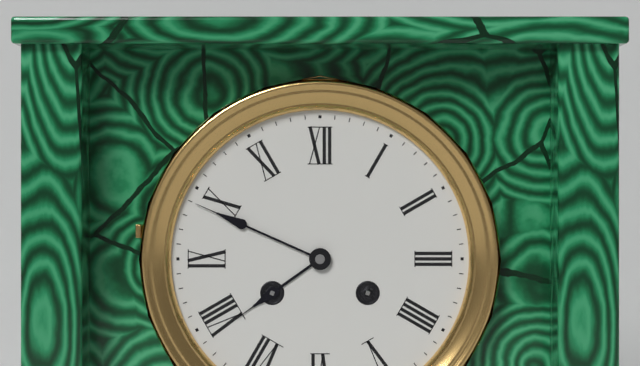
7:49
